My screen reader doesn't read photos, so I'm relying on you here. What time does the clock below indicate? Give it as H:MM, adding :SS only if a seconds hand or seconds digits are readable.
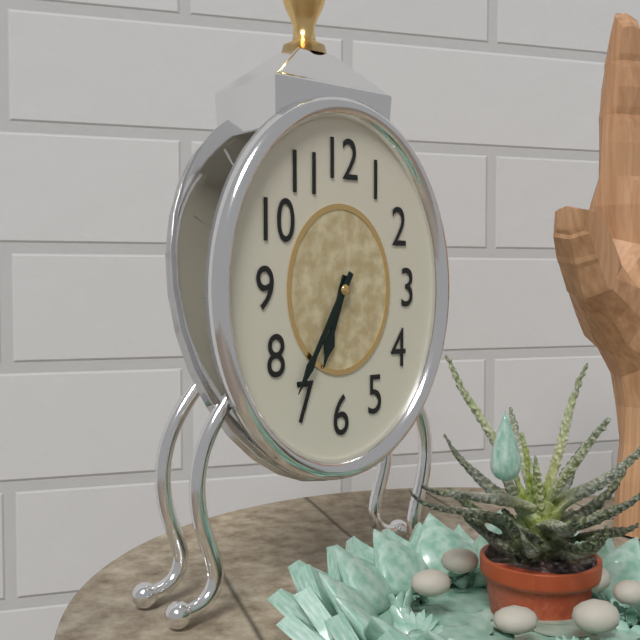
6:35
